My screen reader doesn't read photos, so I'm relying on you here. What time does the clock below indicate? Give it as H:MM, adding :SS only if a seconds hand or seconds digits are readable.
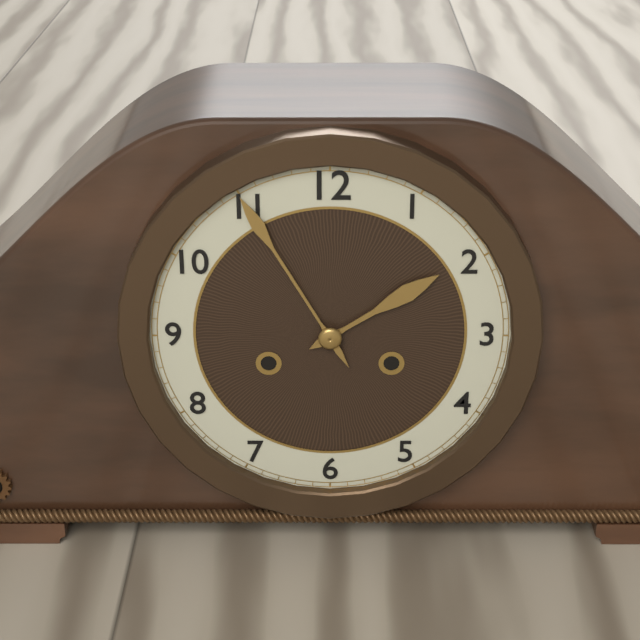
1:55
